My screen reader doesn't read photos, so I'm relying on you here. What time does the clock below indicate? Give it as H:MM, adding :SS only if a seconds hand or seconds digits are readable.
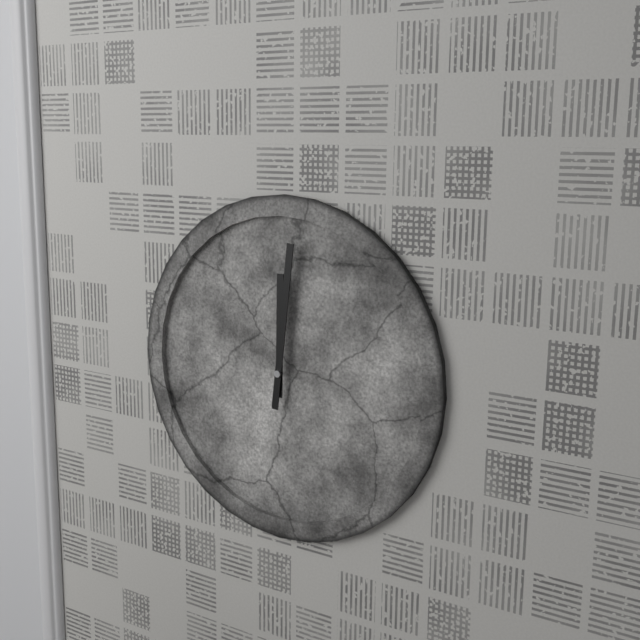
12:01
